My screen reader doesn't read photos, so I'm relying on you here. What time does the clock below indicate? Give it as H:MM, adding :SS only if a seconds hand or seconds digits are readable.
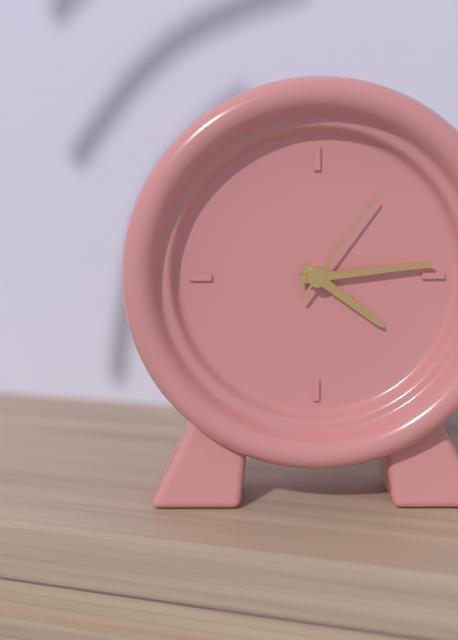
4:14:06
